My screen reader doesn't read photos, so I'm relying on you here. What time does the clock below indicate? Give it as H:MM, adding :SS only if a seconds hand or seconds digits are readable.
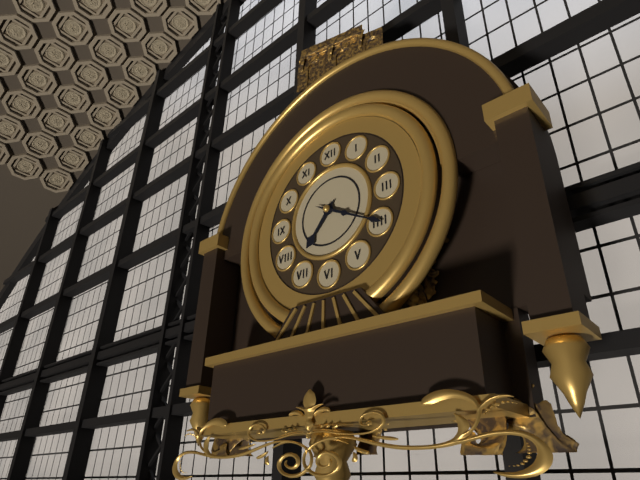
7:20
